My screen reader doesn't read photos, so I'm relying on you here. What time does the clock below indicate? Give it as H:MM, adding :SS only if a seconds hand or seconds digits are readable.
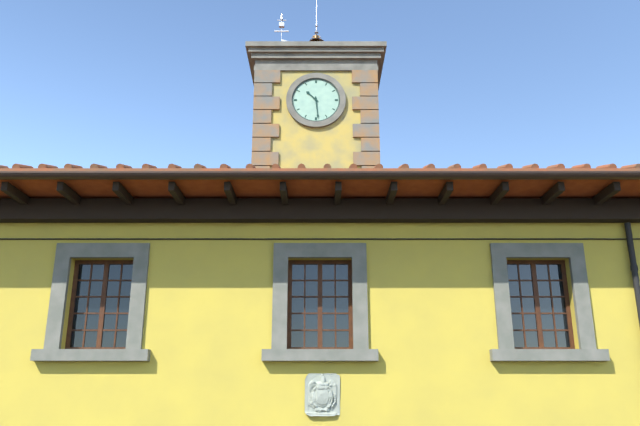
10:29
